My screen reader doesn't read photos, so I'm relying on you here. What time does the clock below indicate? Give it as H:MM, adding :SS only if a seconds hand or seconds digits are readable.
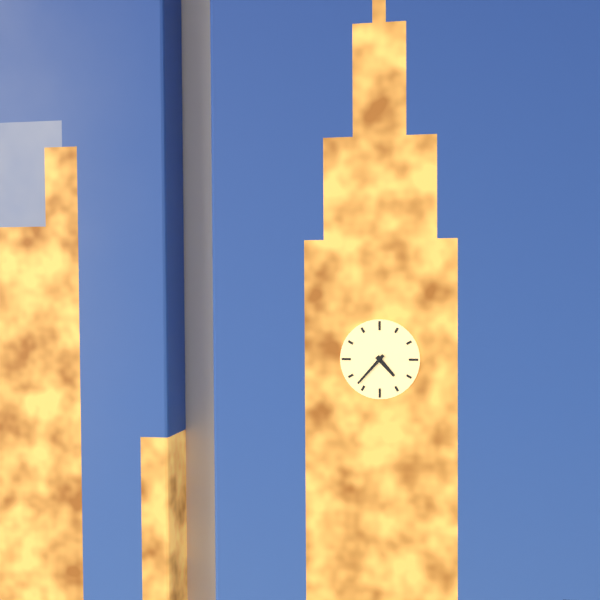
4:37
